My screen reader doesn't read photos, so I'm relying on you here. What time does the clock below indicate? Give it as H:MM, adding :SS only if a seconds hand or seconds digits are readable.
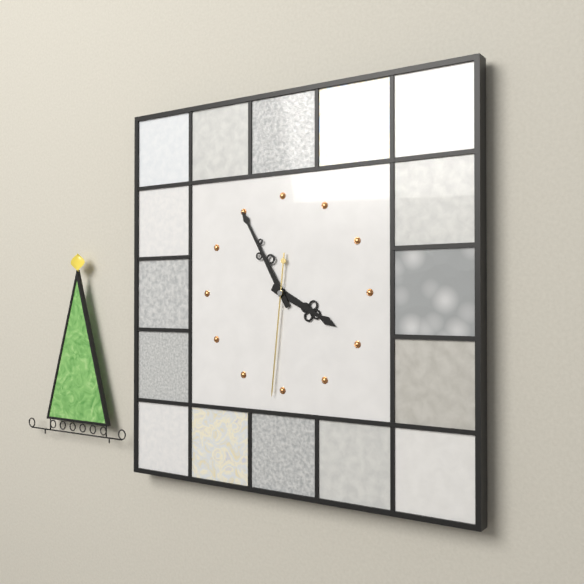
3:55:31
